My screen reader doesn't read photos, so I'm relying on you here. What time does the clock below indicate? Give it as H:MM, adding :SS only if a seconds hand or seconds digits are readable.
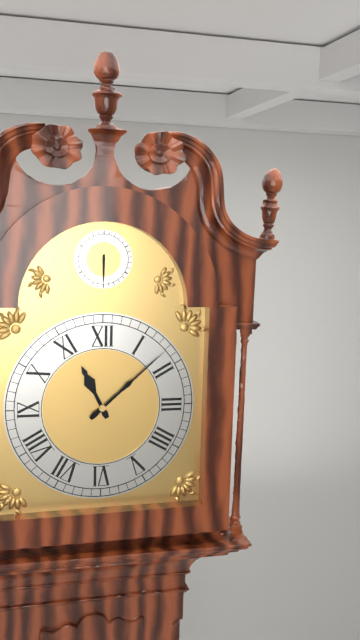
11:08
